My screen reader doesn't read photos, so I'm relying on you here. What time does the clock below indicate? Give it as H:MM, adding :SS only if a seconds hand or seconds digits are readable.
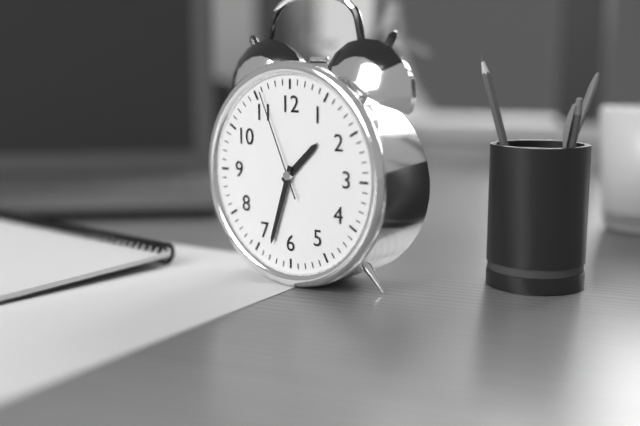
1:33:56
